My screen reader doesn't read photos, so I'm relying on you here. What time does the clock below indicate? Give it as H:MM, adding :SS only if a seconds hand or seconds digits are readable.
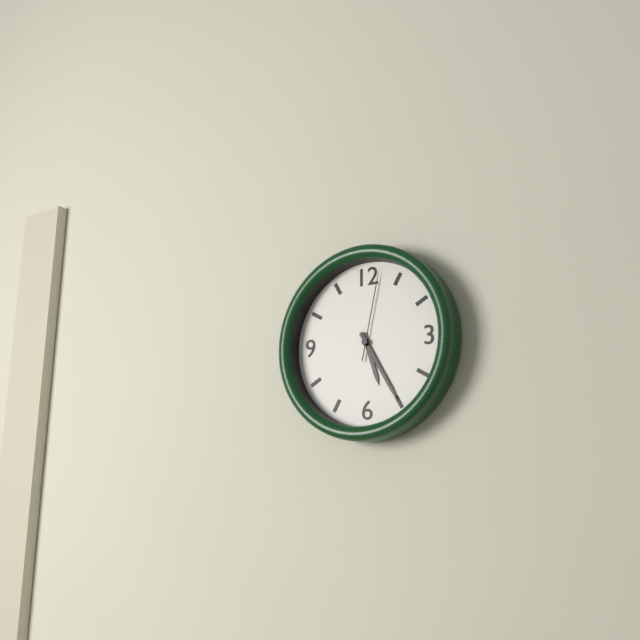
5:25:02
